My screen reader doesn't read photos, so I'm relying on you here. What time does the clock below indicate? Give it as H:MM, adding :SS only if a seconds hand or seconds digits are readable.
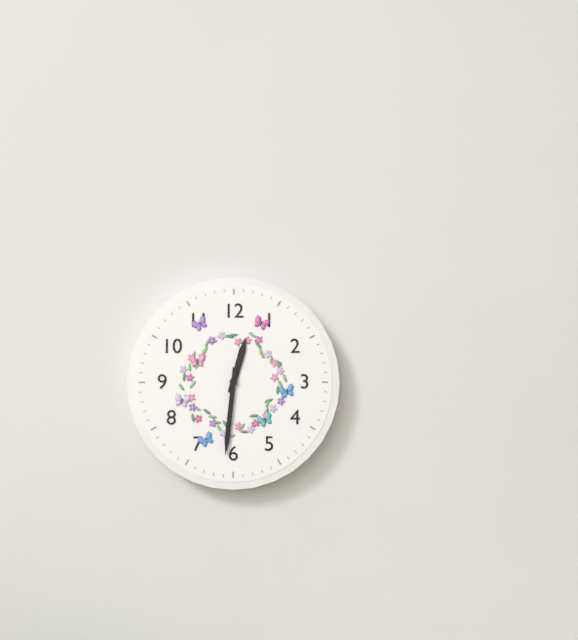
12:31
